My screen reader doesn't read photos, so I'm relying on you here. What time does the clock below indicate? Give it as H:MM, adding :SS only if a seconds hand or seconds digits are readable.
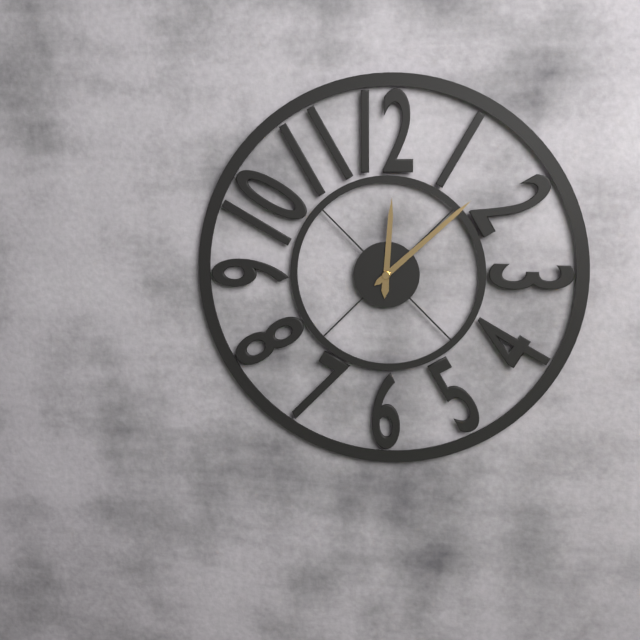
12:08
